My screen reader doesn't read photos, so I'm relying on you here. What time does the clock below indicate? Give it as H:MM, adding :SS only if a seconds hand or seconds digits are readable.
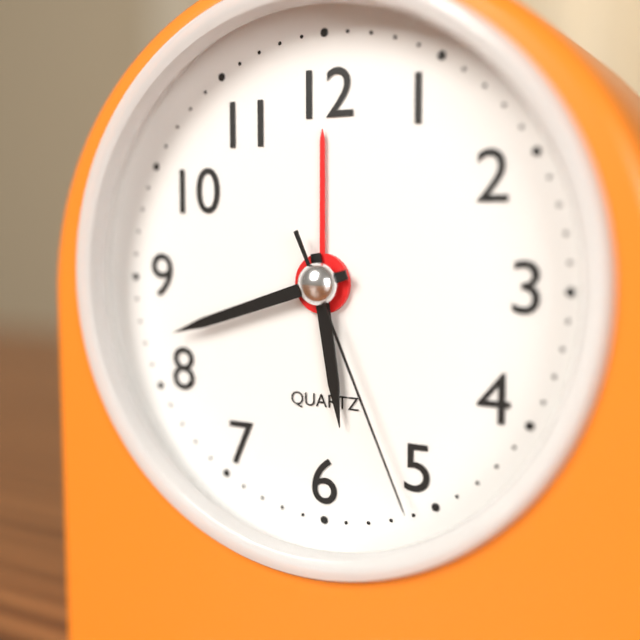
5:42:26
